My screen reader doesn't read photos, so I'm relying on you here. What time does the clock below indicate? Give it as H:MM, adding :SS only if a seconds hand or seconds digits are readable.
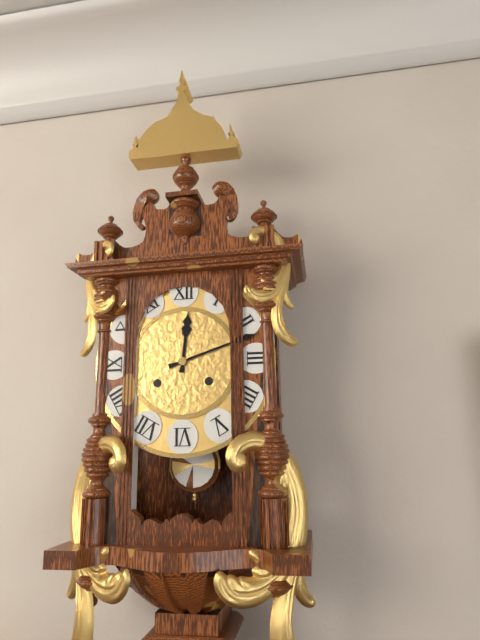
12:12
